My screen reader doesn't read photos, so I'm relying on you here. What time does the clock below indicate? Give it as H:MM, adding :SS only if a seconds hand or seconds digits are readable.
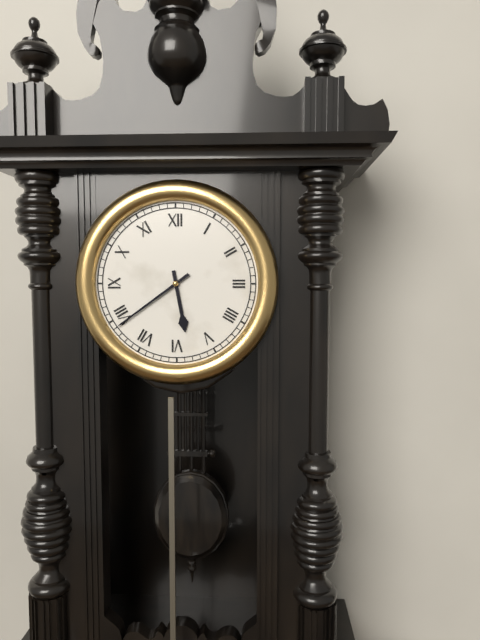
5:39
